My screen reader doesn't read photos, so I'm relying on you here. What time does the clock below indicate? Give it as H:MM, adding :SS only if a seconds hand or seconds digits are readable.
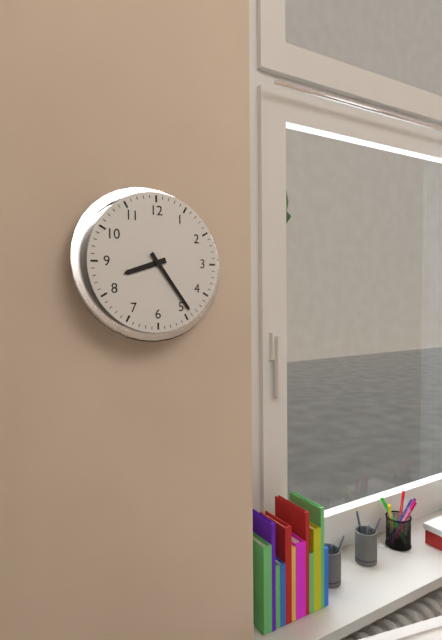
8:24
